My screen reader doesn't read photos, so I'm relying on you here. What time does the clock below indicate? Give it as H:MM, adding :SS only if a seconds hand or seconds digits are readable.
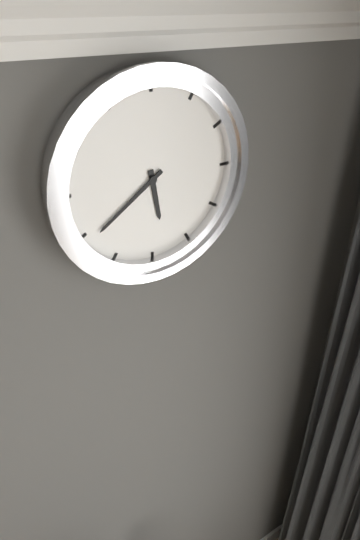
5:39
